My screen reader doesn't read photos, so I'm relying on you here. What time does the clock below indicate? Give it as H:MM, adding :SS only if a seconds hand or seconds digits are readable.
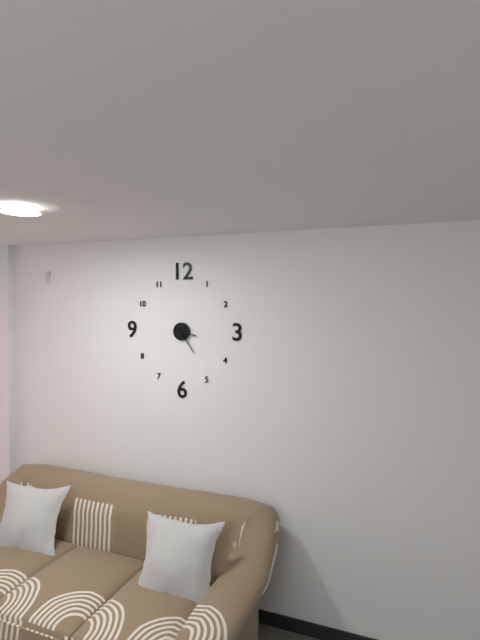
3:24
